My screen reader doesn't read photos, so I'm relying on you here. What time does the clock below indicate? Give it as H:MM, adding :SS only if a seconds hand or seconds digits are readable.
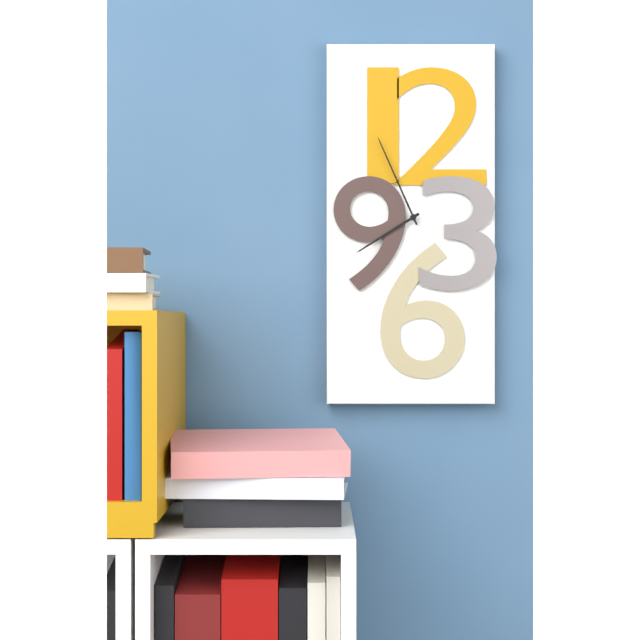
7:56
